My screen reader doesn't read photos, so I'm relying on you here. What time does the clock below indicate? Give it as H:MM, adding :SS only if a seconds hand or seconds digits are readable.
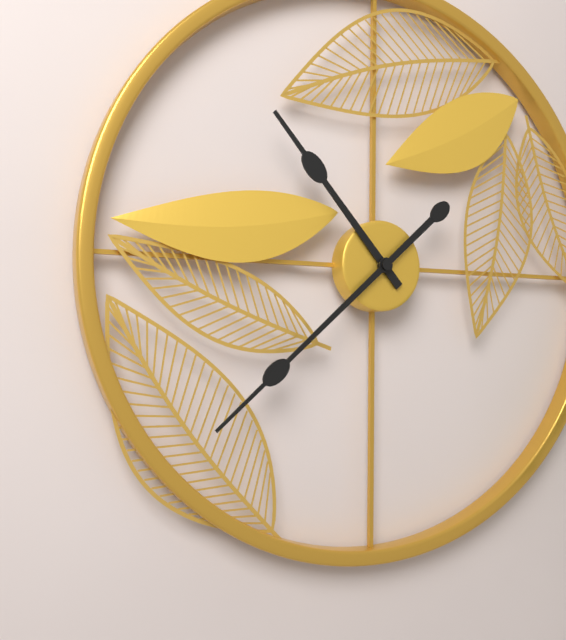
10:38
